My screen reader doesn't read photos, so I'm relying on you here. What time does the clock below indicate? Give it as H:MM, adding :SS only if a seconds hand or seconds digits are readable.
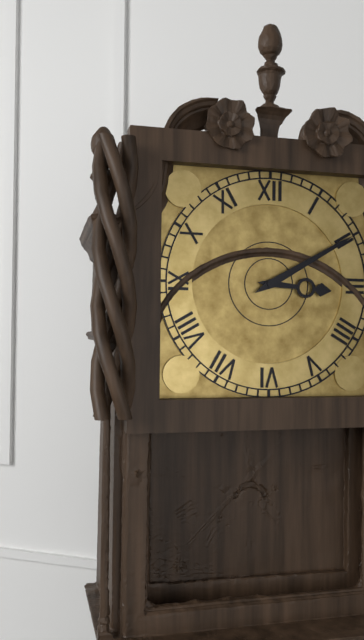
3:10
